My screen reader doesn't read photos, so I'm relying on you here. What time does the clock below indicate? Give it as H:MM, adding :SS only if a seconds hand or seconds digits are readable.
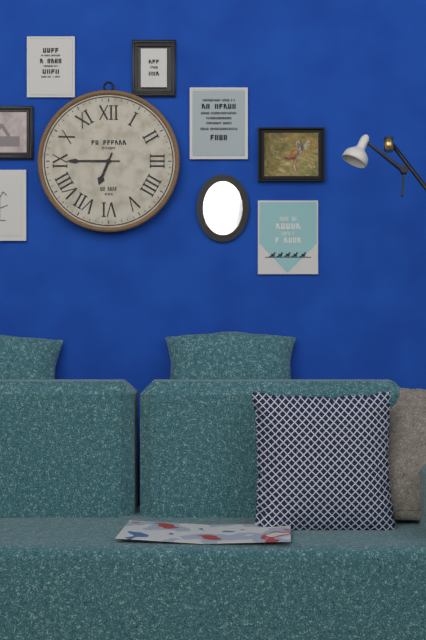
6:45
